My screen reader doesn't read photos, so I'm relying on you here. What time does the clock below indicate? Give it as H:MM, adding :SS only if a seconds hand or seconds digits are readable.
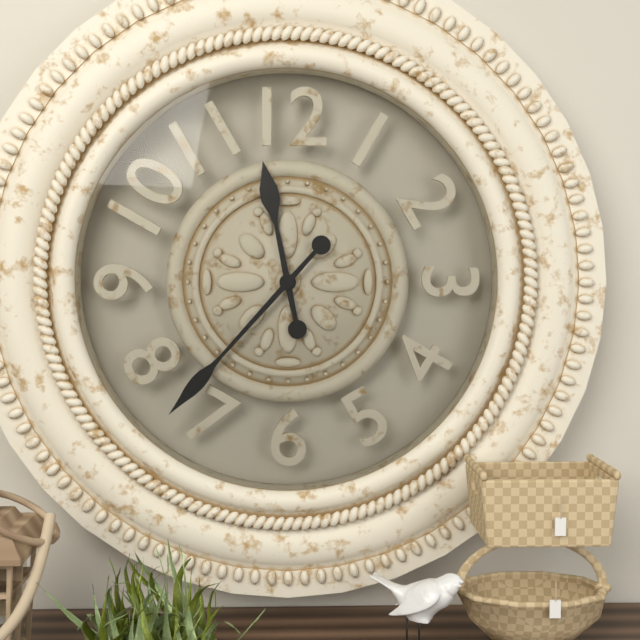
11:37
